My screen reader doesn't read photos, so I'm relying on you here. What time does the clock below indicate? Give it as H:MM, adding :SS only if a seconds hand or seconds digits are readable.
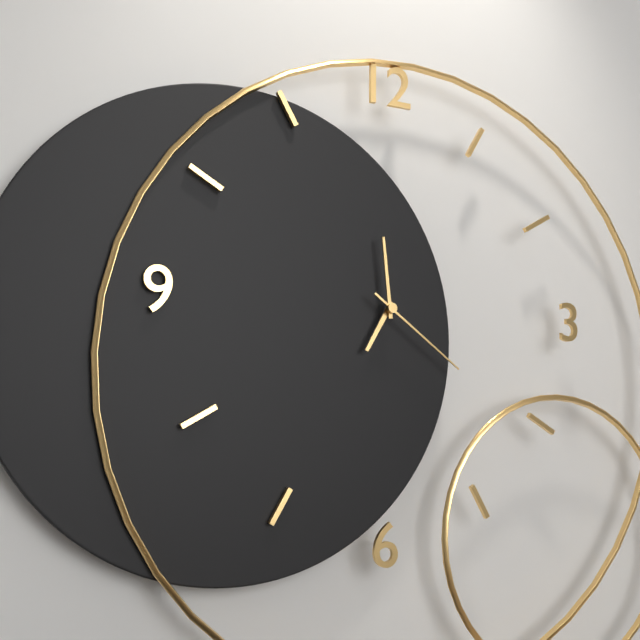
6:59:21
